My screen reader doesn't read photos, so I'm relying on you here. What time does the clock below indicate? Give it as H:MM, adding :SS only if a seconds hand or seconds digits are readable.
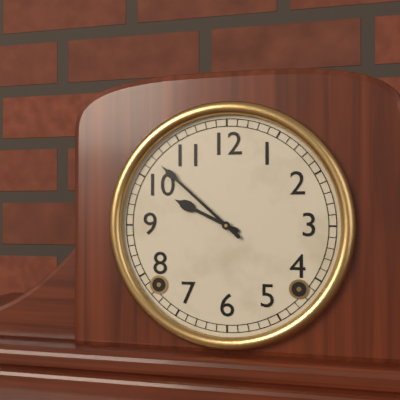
9:52
